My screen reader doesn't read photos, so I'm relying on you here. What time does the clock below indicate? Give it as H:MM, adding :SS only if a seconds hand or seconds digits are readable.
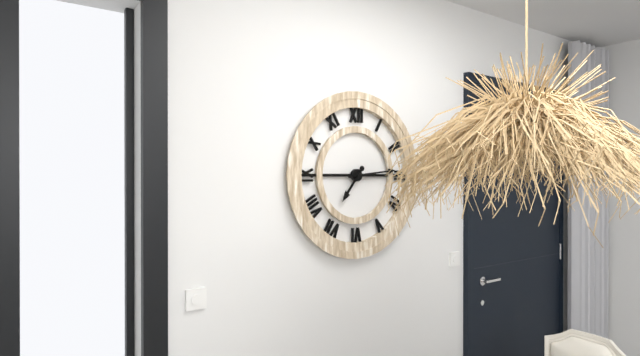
7:14
